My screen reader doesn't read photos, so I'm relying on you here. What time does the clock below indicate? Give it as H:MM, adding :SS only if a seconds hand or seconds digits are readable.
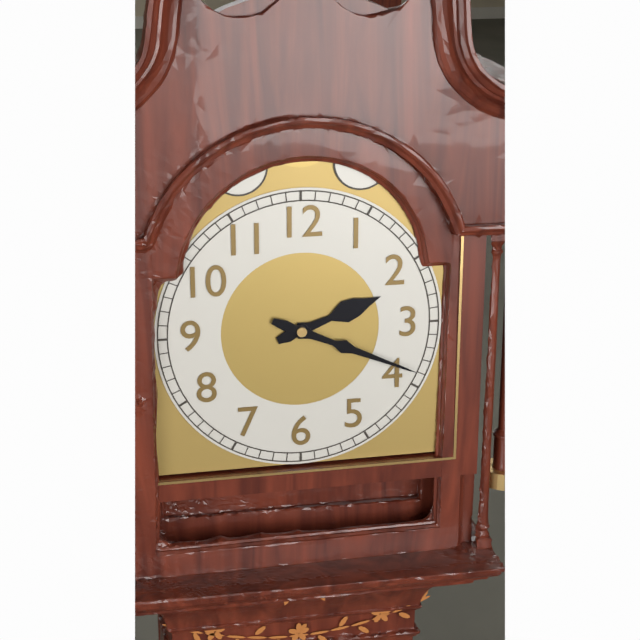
2:19
